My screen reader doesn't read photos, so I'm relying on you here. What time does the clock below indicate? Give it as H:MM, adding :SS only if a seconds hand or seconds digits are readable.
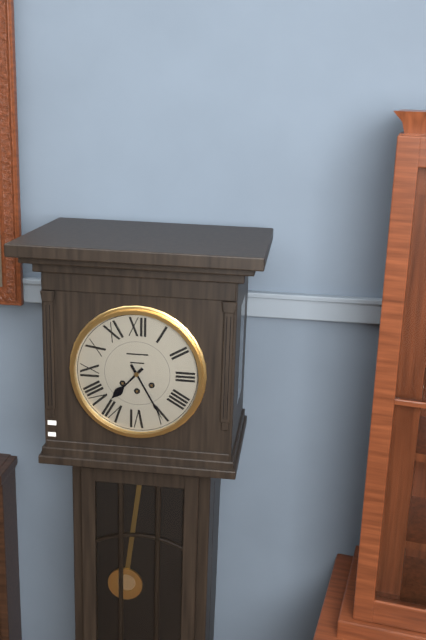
7:25
